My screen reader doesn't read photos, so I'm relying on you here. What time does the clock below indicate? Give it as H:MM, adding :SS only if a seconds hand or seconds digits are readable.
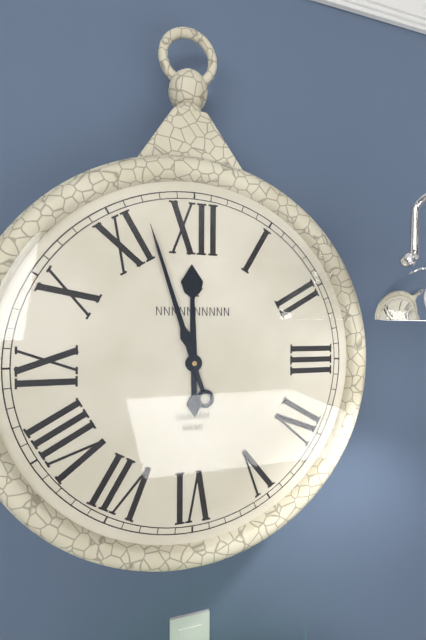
11:57
